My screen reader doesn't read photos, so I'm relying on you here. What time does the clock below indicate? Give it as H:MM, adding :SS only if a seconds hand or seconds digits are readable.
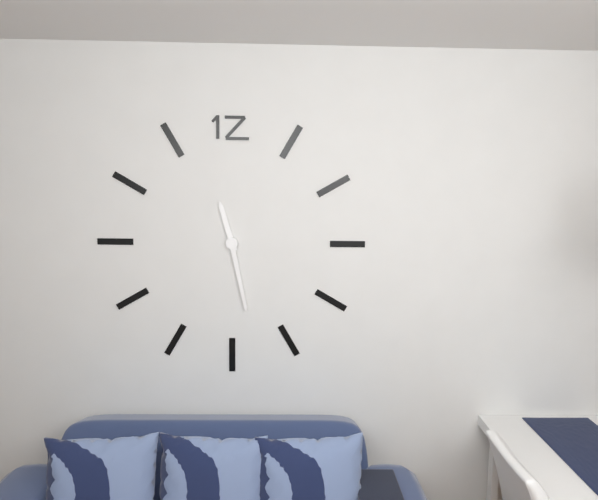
11:28
